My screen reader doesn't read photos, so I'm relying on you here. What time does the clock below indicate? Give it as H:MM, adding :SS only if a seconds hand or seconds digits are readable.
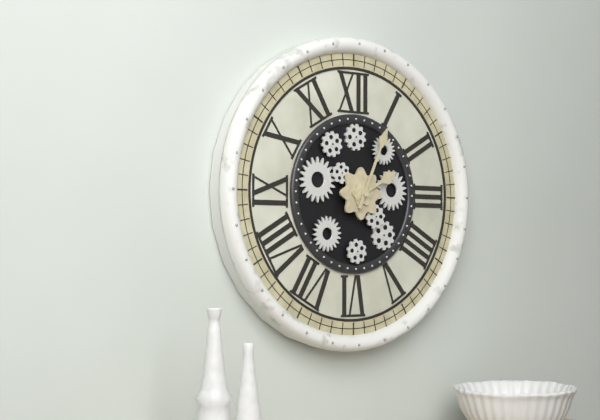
2:04
